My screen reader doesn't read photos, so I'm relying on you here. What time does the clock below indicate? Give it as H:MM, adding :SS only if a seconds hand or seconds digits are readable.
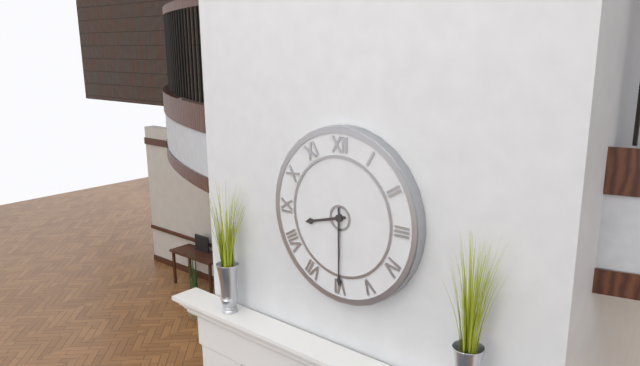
8:30
